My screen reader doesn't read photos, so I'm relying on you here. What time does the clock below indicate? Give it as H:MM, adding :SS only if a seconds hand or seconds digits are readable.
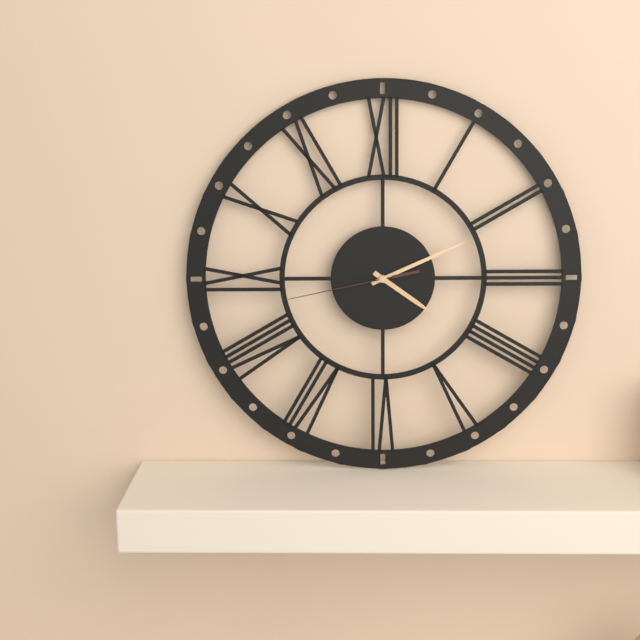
4:11:43
